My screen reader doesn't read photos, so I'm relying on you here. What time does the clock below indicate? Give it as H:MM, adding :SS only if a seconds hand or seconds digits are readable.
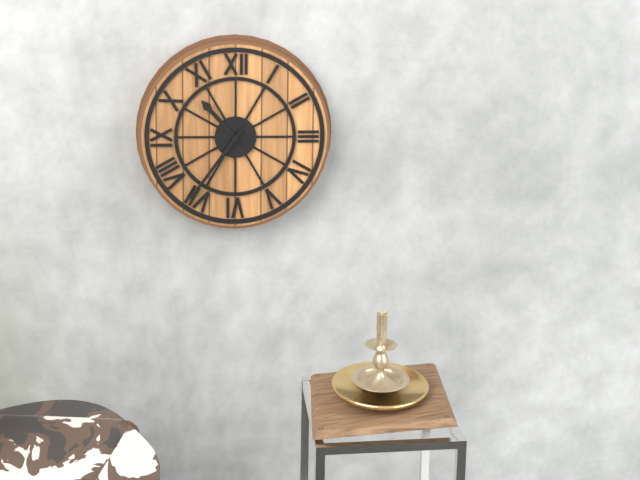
10:36
